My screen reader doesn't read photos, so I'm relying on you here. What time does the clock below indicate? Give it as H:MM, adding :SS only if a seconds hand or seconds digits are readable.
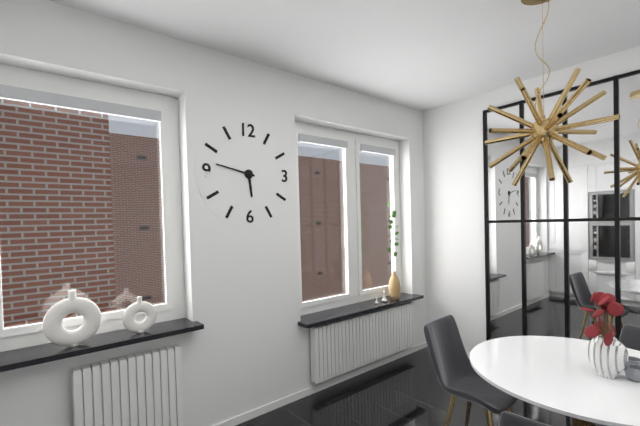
5:47
